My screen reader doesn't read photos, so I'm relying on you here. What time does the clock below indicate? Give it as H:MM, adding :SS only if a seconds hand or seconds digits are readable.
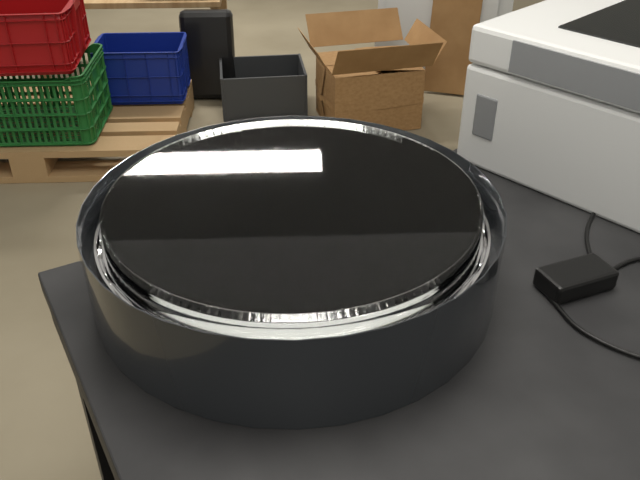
2:50
